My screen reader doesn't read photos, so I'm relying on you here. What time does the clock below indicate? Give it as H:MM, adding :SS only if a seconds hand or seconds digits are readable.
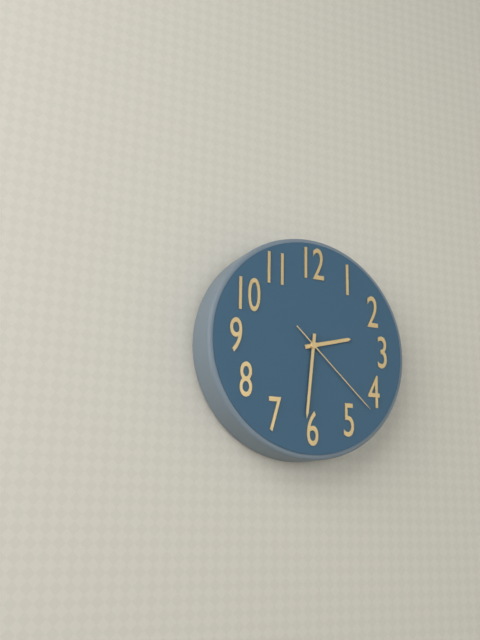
2:31:22
